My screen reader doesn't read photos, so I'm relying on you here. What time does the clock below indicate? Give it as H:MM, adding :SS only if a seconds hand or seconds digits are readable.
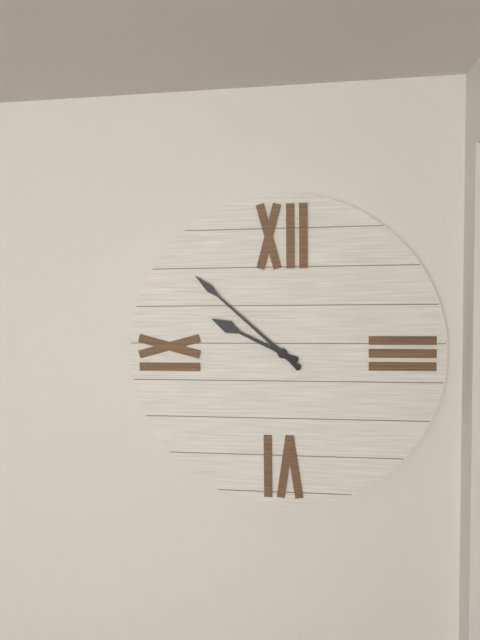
9:52
